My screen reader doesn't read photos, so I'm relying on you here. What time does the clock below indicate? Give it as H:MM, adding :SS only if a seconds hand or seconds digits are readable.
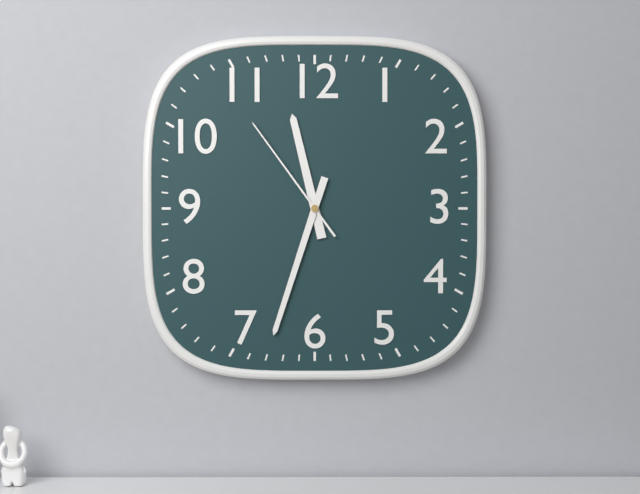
11:33:54
